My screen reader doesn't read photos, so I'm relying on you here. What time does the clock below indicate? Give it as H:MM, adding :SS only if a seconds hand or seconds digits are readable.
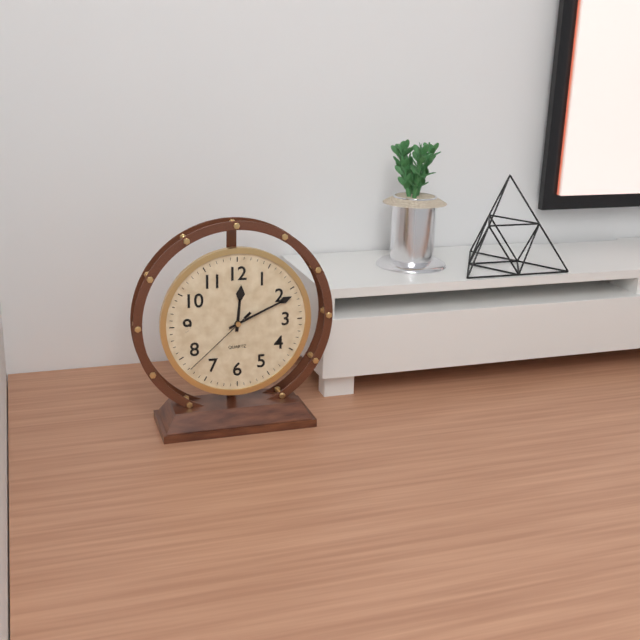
12:11:38
